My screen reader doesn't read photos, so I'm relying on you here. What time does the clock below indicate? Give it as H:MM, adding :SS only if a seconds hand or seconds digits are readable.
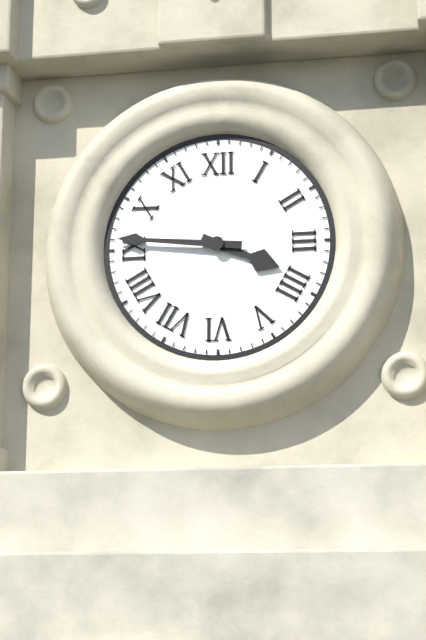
3:46
